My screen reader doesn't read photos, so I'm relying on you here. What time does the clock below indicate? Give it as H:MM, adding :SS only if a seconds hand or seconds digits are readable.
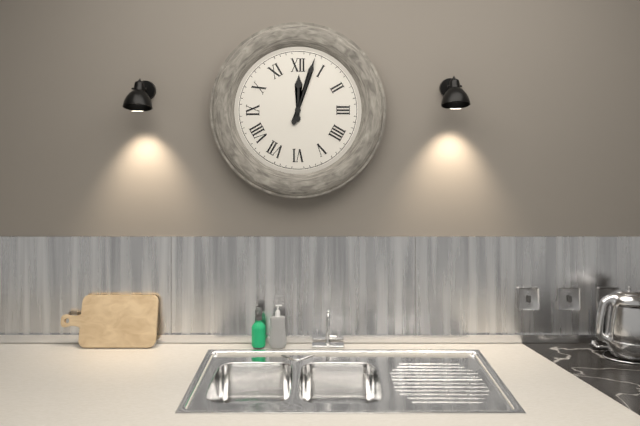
12:03
